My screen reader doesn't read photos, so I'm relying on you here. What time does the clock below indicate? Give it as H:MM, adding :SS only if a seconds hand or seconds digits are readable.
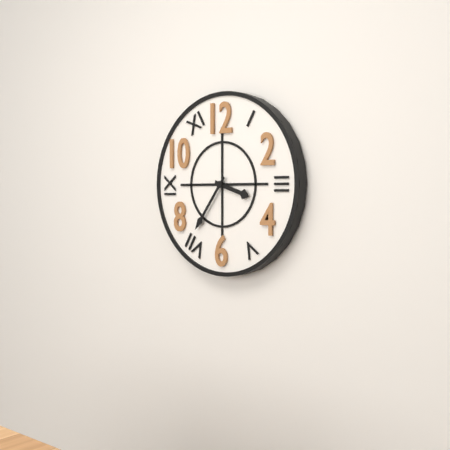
3:36
